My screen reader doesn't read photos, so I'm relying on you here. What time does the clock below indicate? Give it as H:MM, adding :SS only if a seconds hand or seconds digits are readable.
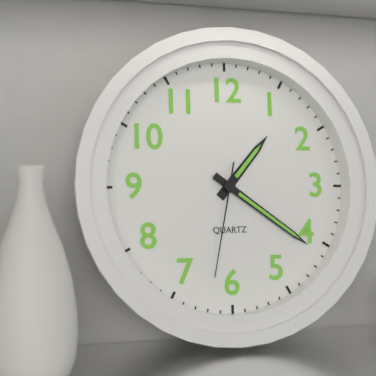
1:21:32
